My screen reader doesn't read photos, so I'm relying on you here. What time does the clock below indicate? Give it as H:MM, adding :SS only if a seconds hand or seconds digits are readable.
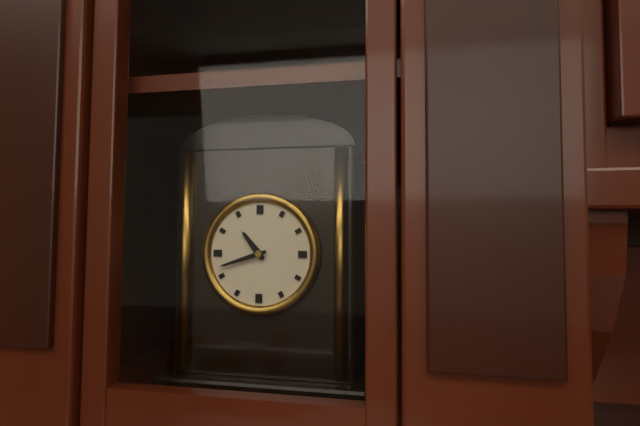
10:42
